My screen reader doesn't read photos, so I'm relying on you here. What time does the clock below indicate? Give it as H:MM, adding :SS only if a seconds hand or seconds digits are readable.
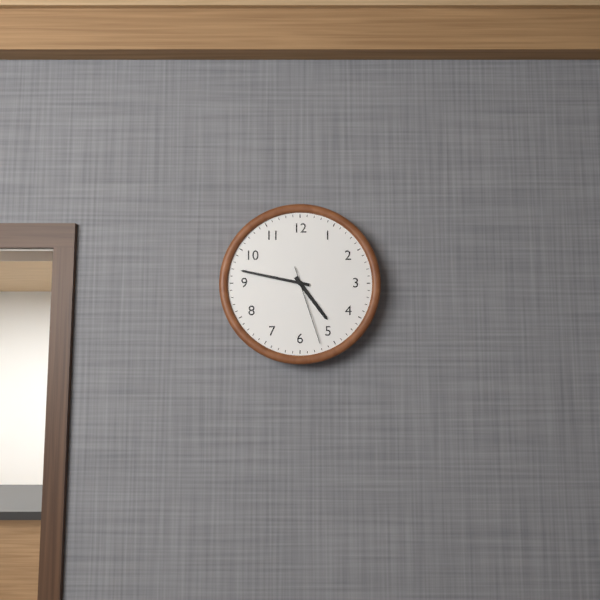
4:47:27
